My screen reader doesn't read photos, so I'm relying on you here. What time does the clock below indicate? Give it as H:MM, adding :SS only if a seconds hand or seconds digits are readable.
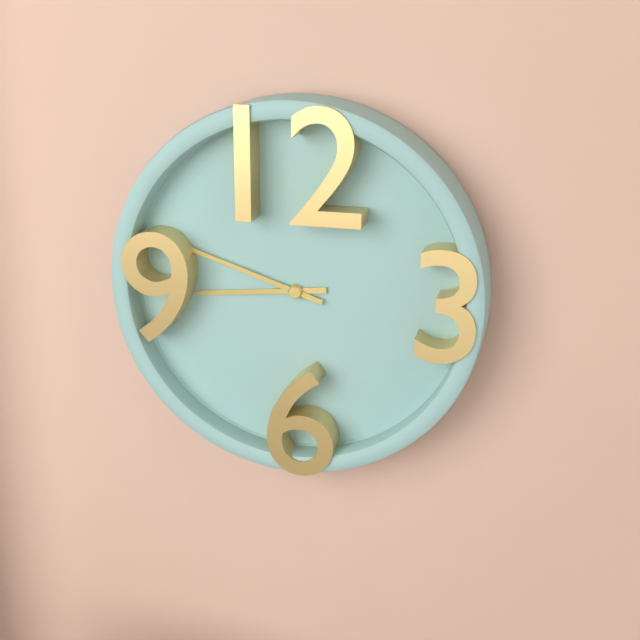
8:48
